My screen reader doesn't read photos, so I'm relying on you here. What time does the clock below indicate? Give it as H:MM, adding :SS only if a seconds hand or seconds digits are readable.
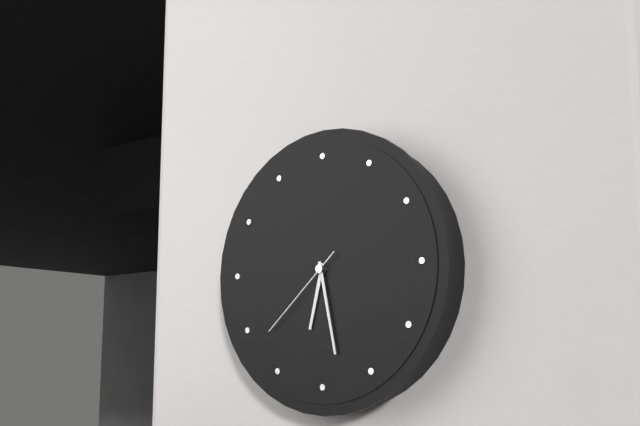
6:28:38
